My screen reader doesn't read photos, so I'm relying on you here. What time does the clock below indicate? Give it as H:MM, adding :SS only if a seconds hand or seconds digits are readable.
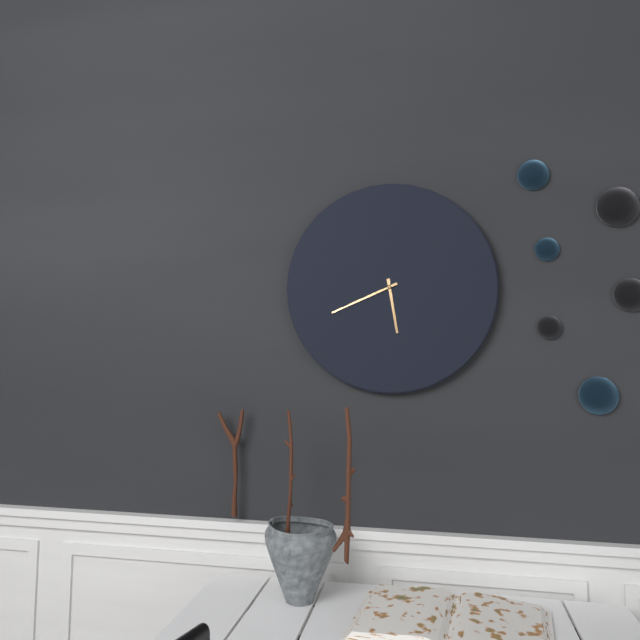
5:41
